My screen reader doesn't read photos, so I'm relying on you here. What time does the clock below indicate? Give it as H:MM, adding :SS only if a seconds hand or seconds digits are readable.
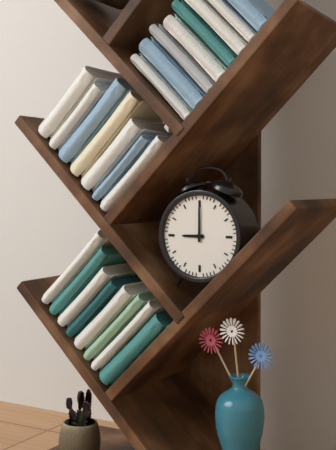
9:00
